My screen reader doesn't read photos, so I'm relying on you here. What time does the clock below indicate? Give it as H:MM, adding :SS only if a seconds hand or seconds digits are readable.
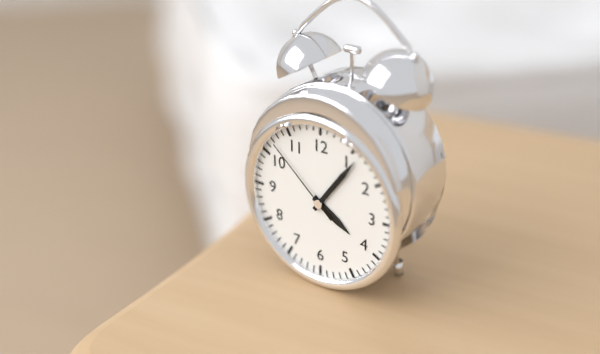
4:06:52
